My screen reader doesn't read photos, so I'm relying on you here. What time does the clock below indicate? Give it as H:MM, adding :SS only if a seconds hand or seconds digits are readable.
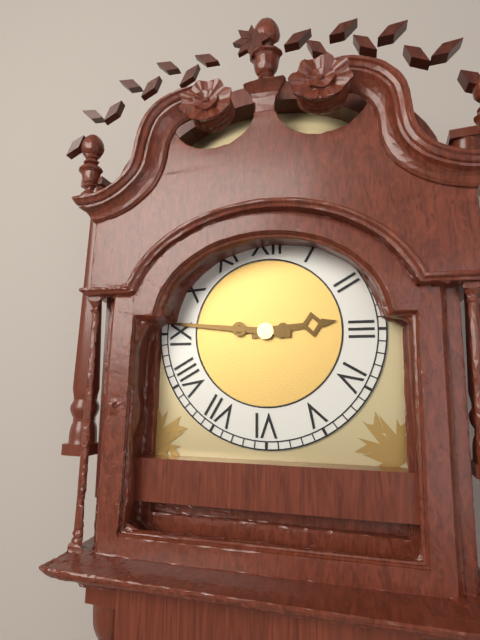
2:46
